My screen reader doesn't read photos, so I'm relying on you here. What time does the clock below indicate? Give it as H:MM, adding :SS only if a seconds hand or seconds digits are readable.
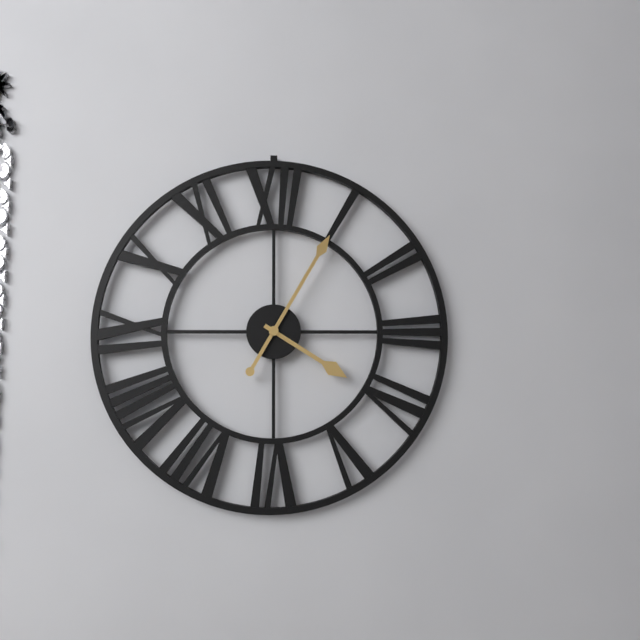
4:05
